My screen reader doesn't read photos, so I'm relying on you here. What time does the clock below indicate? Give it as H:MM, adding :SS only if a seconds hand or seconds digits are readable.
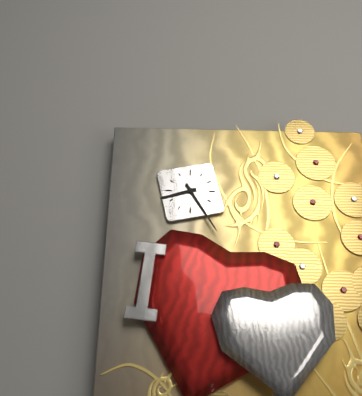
8:25
